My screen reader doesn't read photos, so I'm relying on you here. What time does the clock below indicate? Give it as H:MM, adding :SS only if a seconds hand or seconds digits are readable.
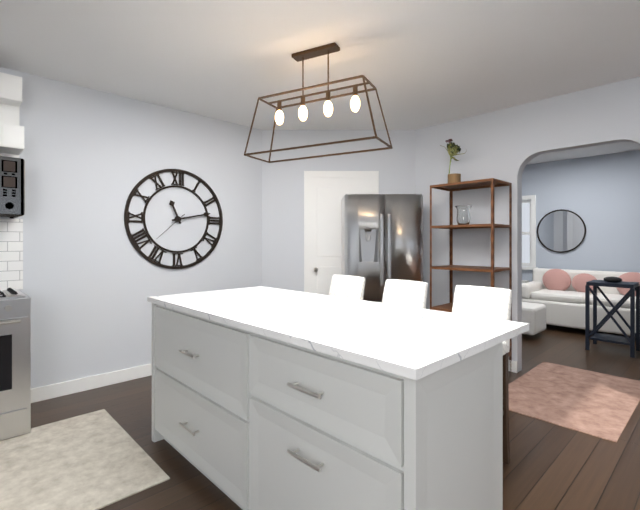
11:13
